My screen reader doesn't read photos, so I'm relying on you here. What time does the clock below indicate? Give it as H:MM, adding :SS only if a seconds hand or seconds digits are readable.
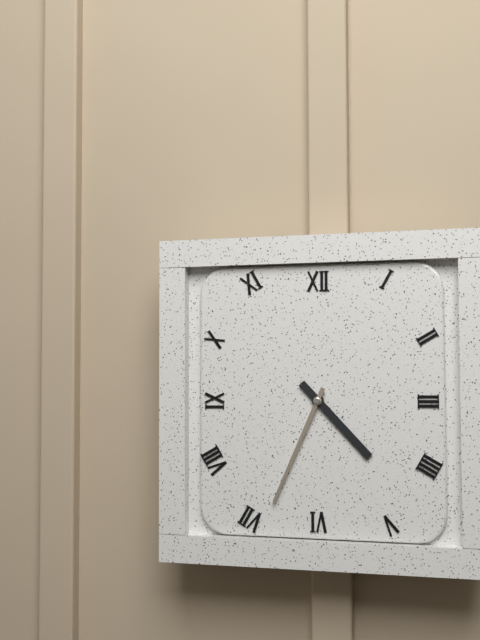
4:34
